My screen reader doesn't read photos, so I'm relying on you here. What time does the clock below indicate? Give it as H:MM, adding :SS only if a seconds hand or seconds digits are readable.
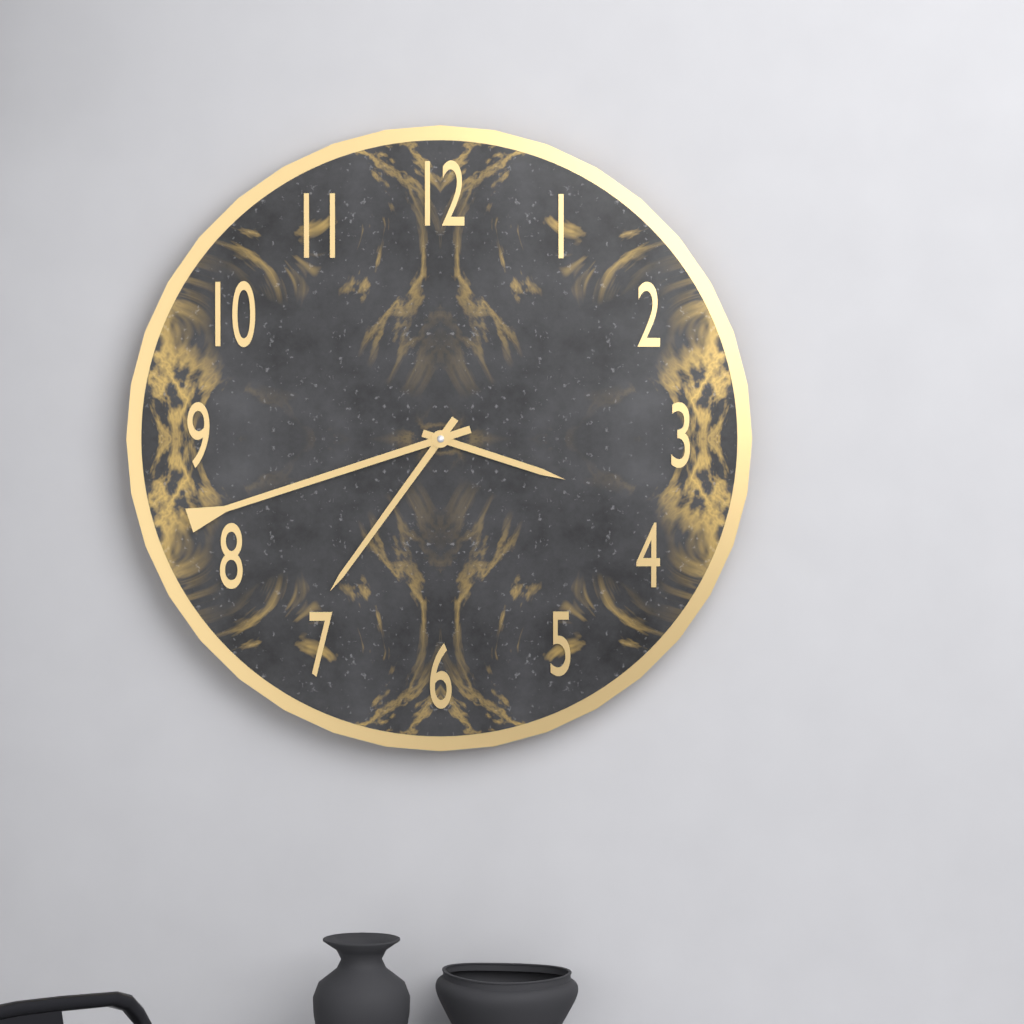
3:36:42
